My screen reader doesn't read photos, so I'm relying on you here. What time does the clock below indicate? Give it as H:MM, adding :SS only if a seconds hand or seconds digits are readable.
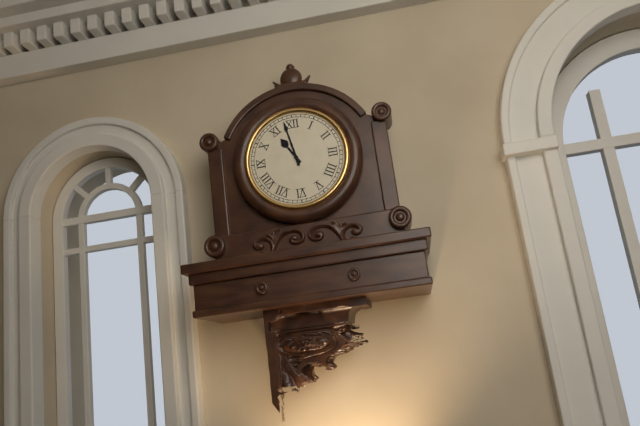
10:58
